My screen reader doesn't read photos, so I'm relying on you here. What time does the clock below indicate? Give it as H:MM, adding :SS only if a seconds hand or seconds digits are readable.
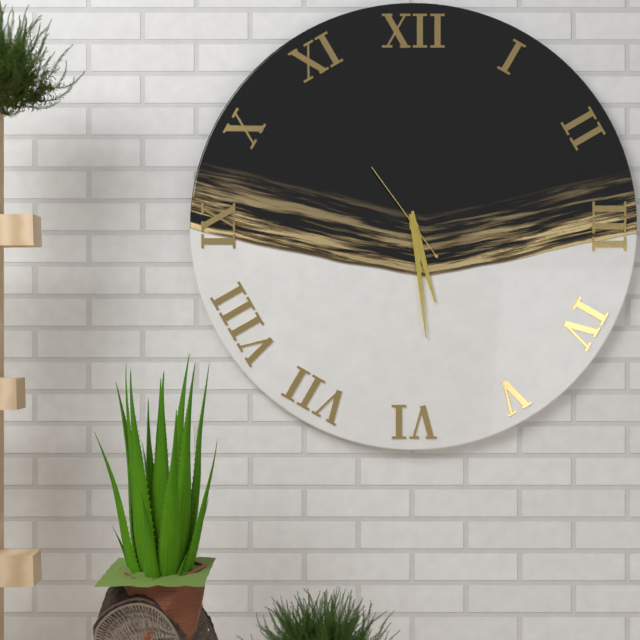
5:29:54
